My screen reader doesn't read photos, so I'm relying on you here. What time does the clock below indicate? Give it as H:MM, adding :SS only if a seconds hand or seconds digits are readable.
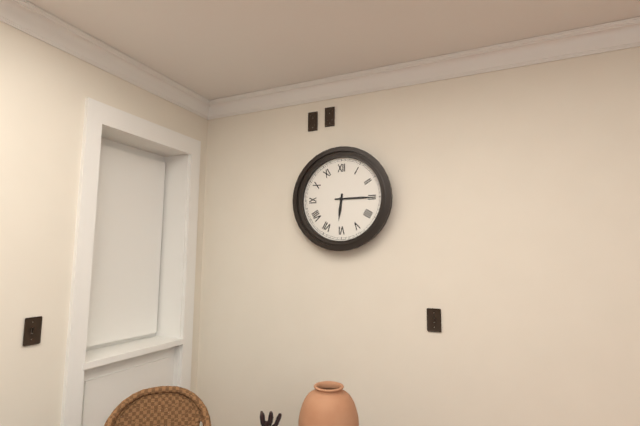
6:15
